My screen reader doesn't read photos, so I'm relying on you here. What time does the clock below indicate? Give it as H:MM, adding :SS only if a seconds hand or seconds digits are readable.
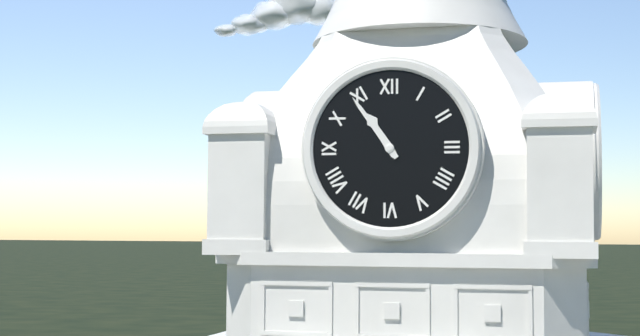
10:54
